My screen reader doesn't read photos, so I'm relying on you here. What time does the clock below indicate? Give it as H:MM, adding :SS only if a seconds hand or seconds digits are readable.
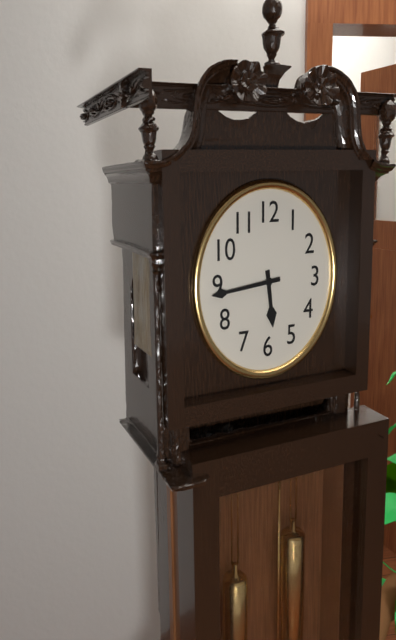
5:44
